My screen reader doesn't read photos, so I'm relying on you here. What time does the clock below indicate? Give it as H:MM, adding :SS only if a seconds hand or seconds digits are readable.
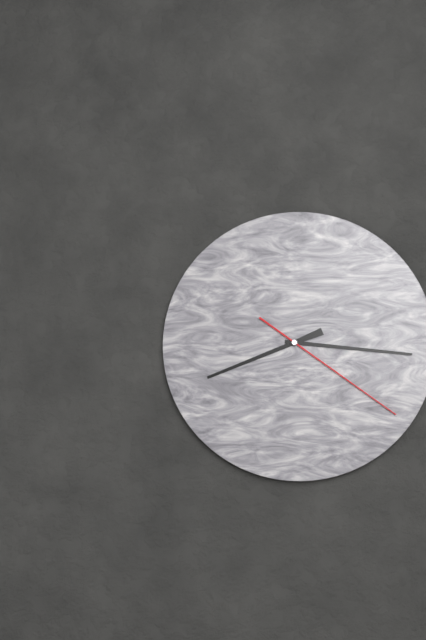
8:16:21
